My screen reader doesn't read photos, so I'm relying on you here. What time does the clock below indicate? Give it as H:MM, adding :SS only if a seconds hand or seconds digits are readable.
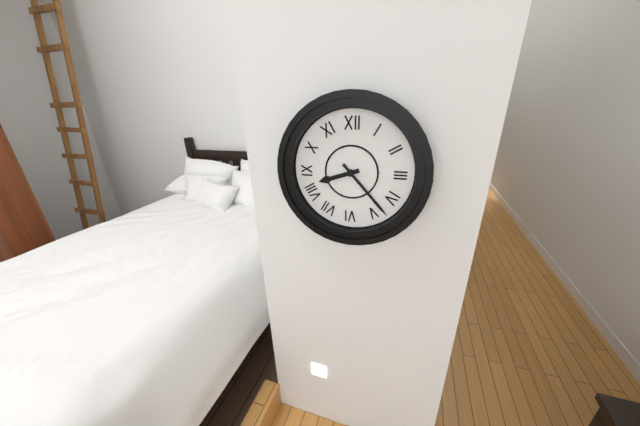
8:23
